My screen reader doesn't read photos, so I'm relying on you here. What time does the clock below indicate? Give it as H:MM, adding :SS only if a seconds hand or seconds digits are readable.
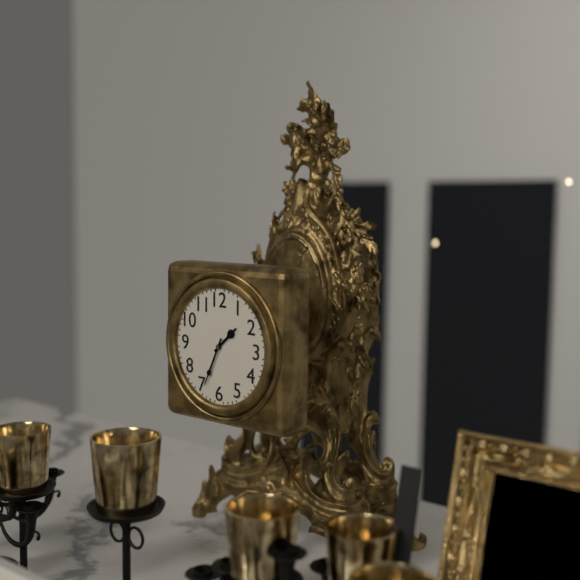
1:34
